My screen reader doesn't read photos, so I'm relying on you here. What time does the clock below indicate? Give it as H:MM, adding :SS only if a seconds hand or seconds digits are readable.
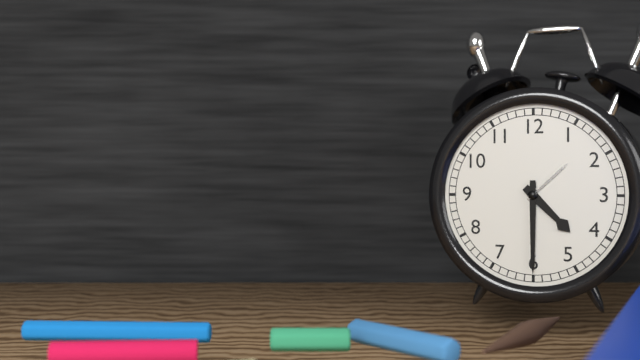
4:30
